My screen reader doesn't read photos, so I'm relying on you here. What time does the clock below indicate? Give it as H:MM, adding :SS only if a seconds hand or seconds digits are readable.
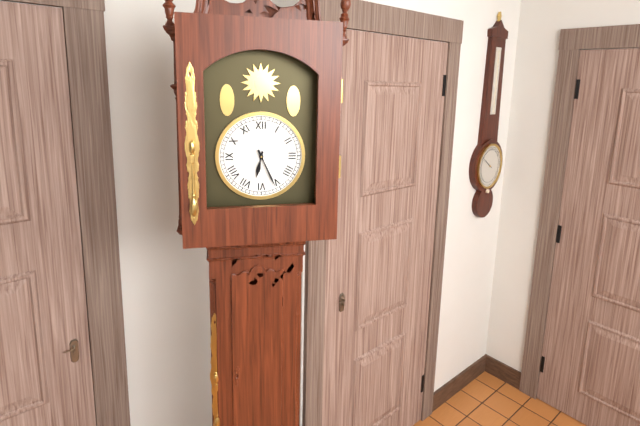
6:26
